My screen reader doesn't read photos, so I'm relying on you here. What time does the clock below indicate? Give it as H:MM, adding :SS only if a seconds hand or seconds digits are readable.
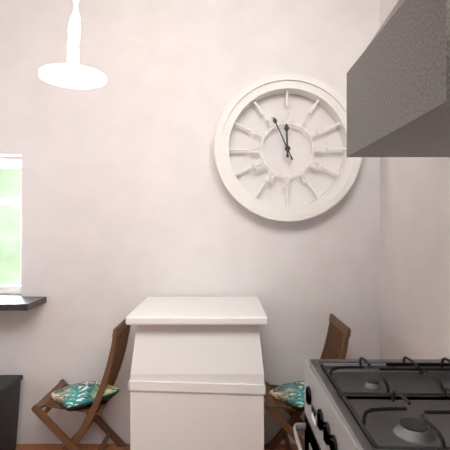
11:56
